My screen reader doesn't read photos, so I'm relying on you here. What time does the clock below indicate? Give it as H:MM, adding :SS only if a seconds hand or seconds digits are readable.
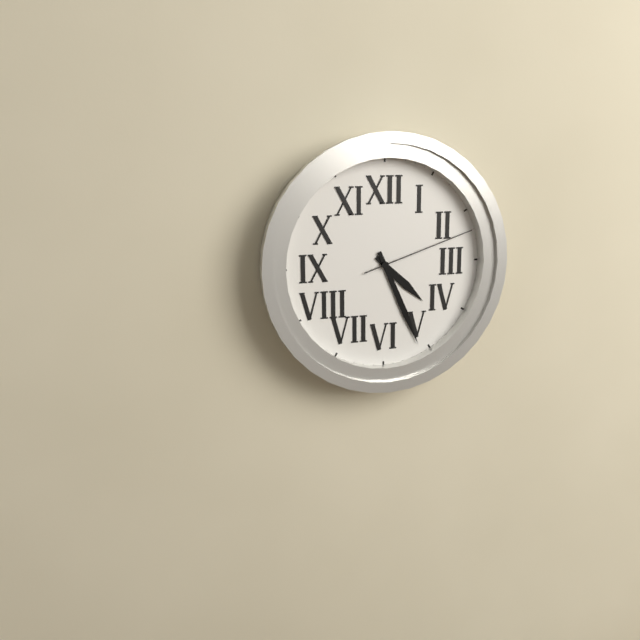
4:26:12
